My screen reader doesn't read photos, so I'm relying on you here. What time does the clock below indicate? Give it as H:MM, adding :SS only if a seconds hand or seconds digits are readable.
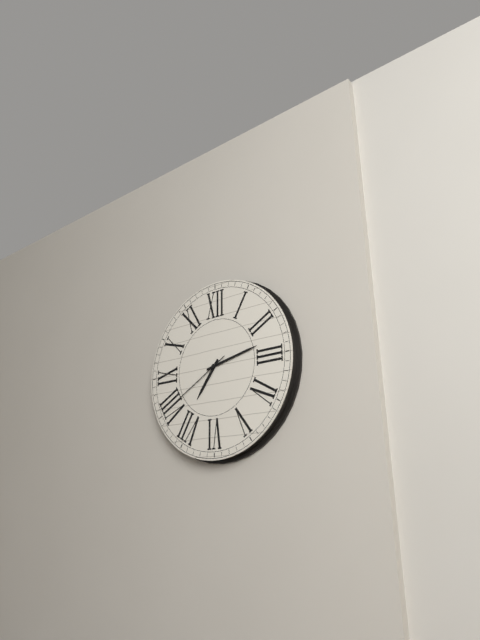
7:13:40
